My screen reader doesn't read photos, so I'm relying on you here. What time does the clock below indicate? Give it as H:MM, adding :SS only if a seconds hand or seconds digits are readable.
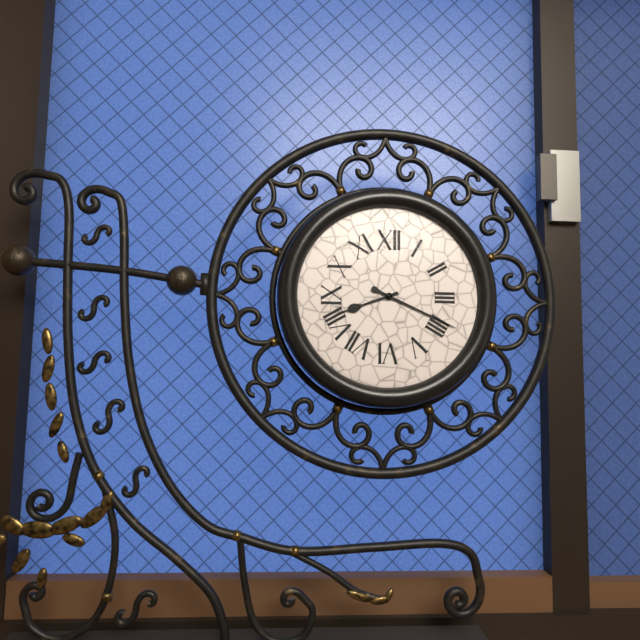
8:19
